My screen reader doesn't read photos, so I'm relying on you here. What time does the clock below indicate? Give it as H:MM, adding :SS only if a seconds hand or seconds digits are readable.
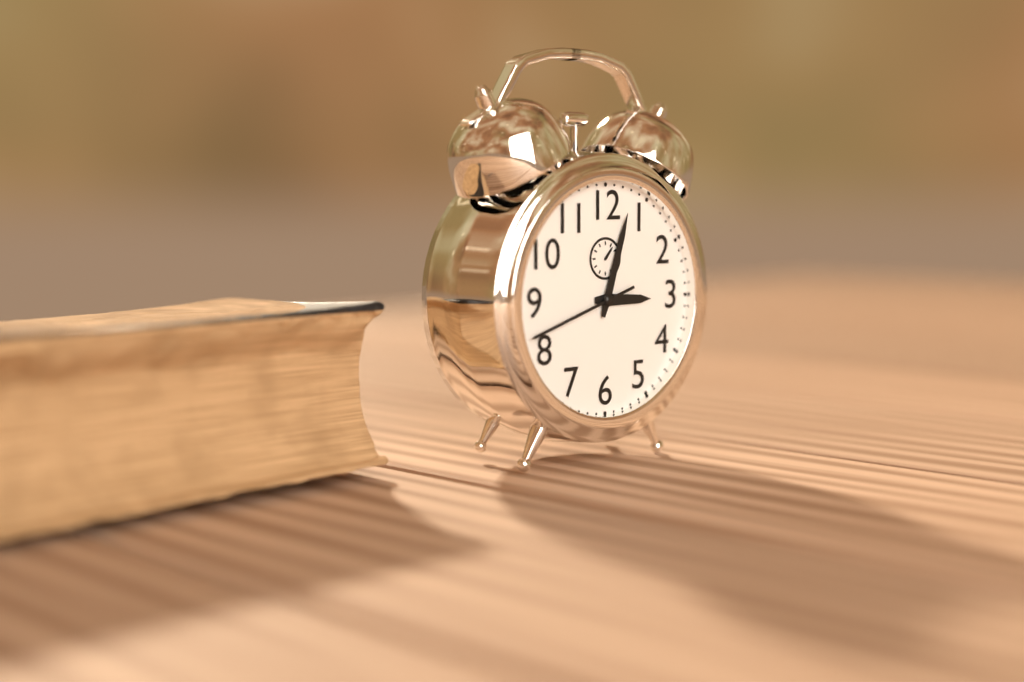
3:03:42
